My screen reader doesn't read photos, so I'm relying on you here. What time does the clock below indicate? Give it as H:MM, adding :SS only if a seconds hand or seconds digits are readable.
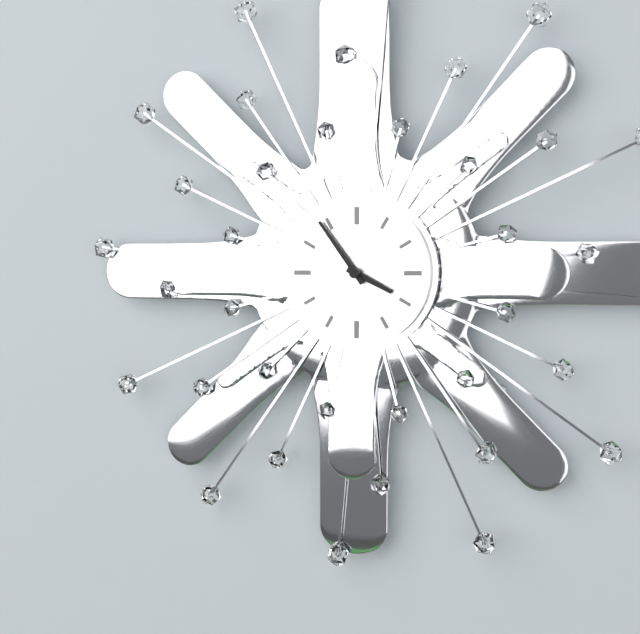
3:54
